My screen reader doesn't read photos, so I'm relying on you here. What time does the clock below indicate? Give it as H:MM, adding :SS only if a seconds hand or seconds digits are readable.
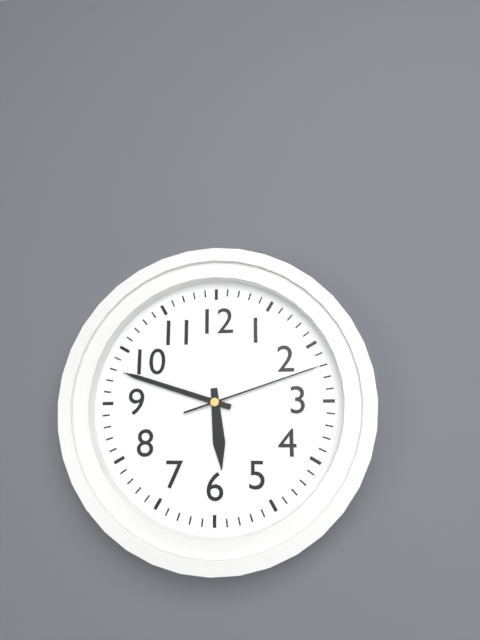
5:48:12
